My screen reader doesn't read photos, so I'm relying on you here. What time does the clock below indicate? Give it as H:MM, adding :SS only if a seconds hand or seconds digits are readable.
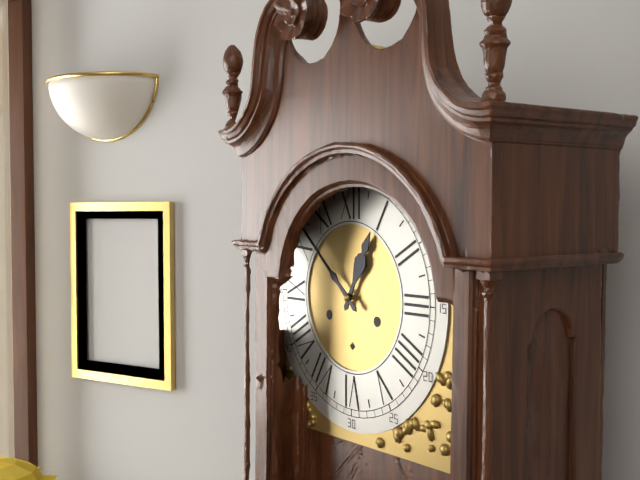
12:52
